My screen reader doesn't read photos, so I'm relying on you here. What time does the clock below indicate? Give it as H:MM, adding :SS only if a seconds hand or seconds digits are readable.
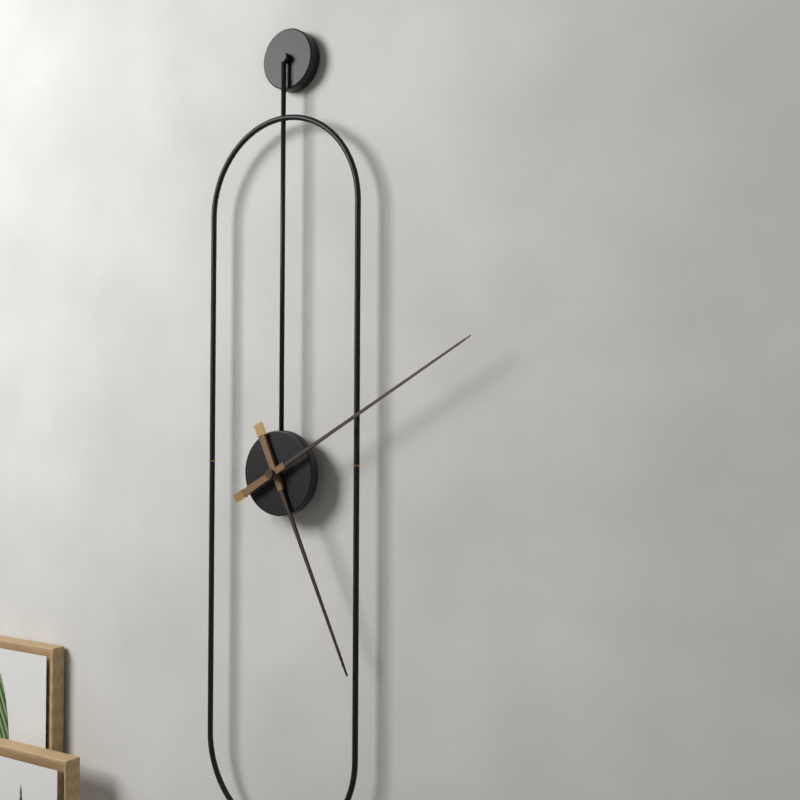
5:10
